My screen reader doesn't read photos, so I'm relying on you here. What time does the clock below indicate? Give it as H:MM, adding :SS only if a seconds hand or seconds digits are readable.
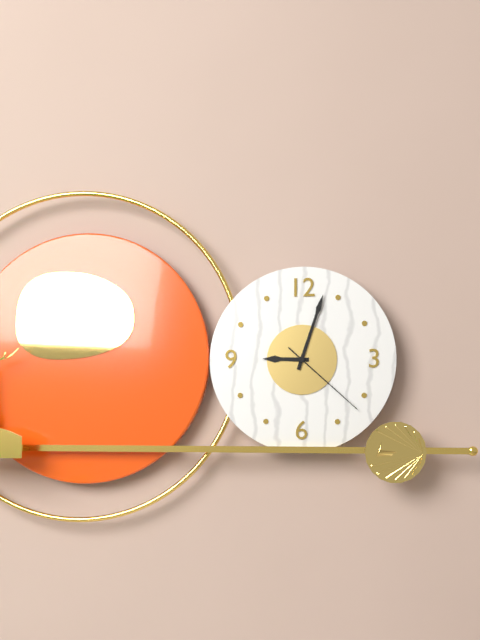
9:03:22
